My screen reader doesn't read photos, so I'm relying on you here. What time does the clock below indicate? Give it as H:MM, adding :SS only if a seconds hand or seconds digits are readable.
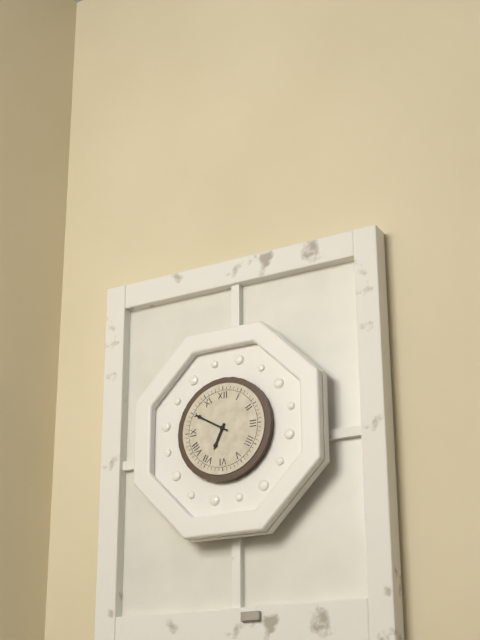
6:50
